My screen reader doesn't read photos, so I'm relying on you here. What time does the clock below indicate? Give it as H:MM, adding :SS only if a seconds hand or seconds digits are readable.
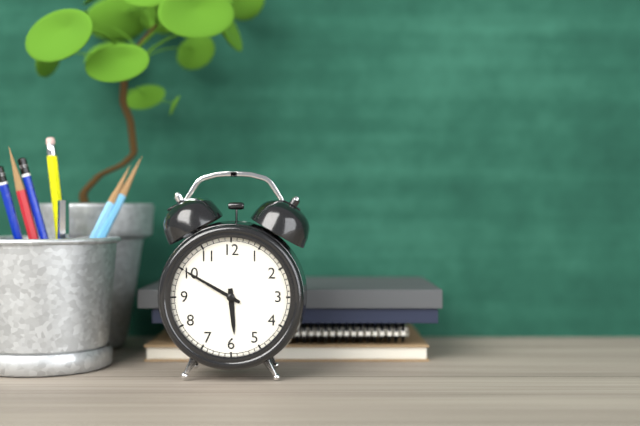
5:50
